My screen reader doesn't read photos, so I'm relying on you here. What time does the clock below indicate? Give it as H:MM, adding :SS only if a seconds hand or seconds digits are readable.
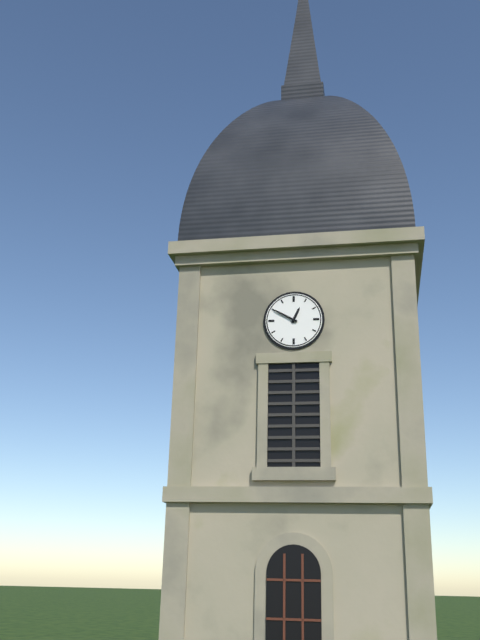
12:50
